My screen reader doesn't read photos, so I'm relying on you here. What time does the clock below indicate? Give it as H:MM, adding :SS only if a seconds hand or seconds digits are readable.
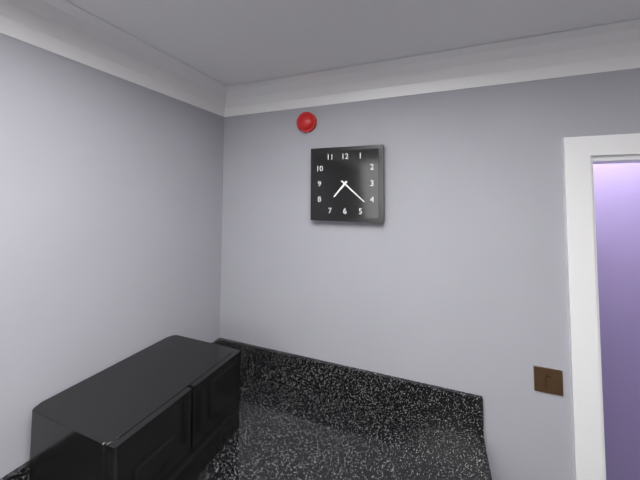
7:22
